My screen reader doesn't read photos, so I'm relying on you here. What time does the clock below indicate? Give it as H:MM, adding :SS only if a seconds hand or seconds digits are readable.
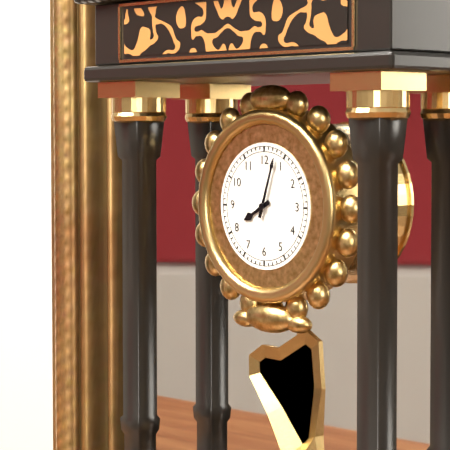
8:03
